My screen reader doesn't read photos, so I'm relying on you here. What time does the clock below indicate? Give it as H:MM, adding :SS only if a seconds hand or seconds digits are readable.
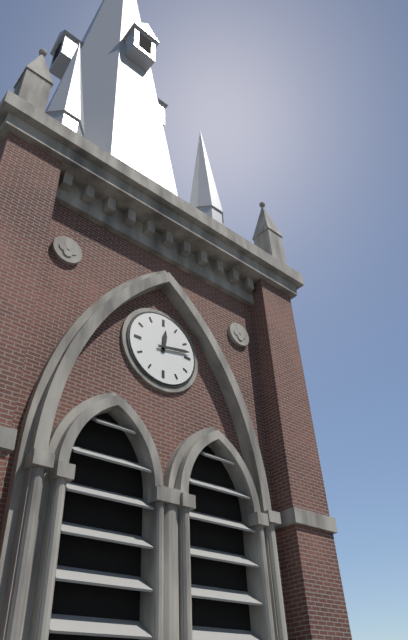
12:13
